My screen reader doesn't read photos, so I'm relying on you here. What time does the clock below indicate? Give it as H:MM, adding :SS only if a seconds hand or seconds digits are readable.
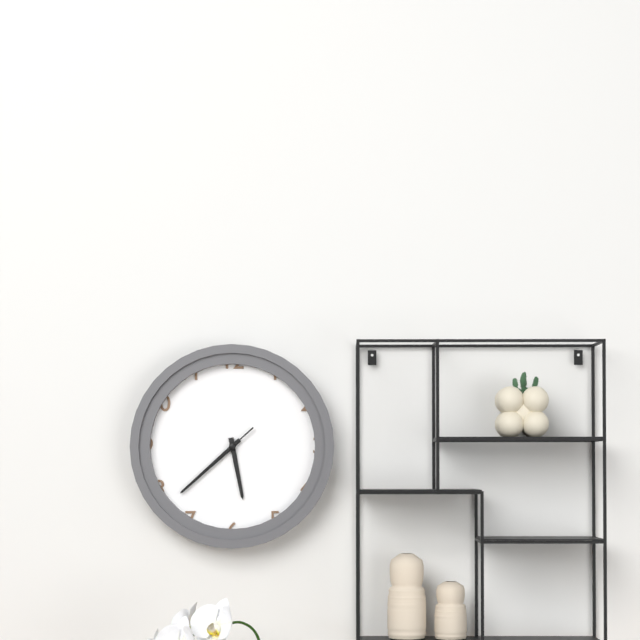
5:38:38
